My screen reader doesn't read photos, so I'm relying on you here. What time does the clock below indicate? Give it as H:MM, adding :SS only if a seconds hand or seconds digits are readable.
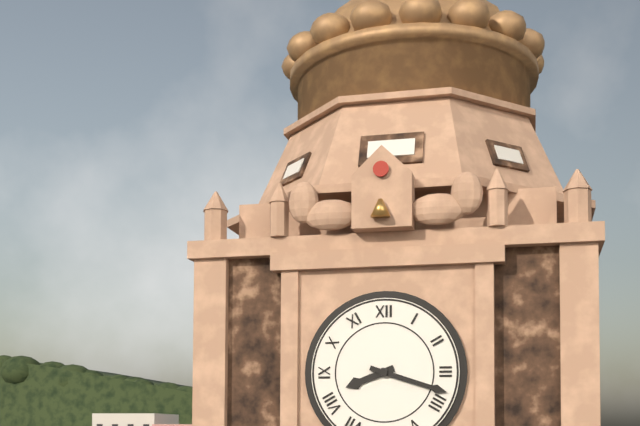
8:18
